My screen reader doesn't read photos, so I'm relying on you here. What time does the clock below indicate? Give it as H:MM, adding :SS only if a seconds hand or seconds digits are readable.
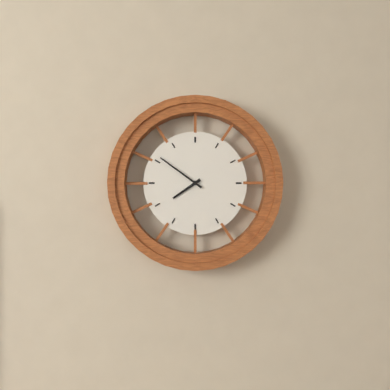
7:51
